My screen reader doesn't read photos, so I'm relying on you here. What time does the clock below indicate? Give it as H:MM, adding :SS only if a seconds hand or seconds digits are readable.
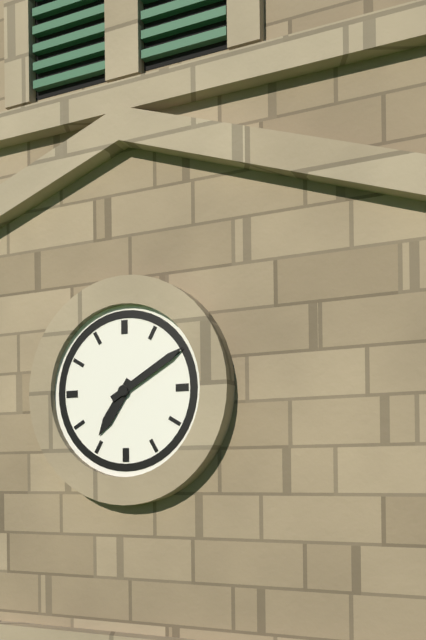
7:10
